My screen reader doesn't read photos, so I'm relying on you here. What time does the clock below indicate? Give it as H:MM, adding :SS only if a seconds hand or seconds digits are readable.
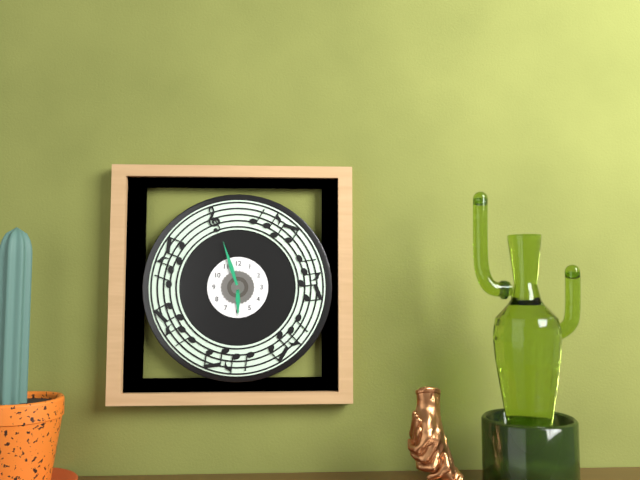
5:57
